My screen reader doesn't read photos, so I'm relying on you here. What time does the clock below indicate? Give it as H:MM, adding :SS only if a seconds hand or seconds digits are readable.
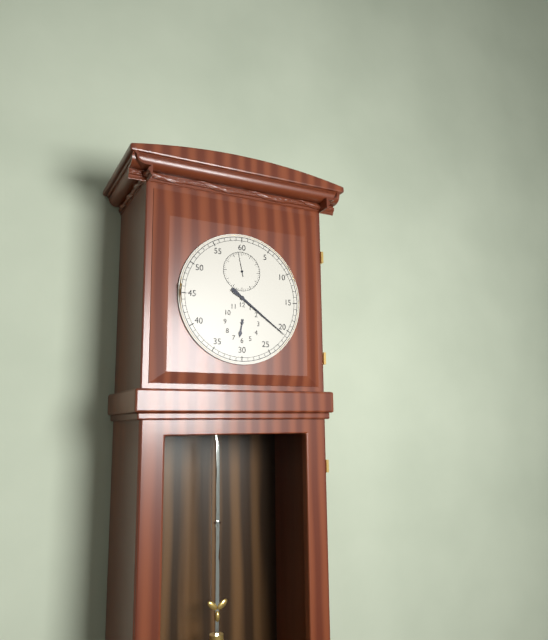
6:21
